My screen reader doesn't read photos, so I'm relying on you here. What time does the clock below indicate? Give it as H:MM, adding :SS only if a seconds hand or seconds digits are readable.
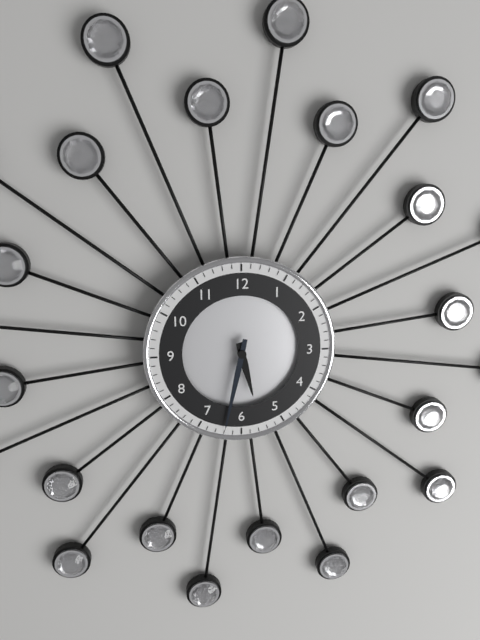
5:32
